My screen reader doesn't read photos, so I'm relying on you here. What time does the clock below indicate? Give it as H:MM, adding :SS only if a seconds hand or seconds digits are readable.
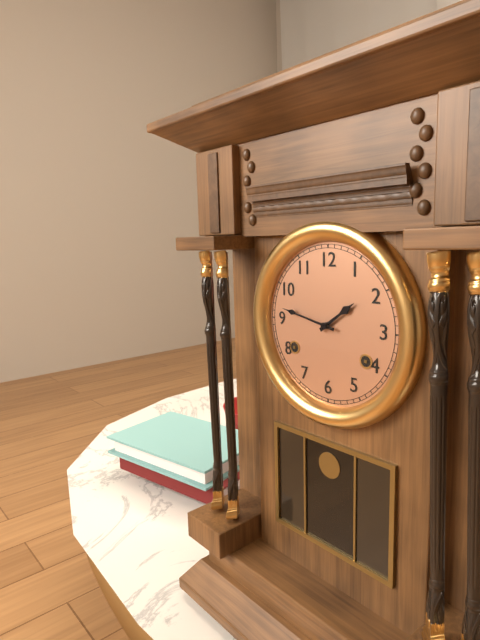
1:47
